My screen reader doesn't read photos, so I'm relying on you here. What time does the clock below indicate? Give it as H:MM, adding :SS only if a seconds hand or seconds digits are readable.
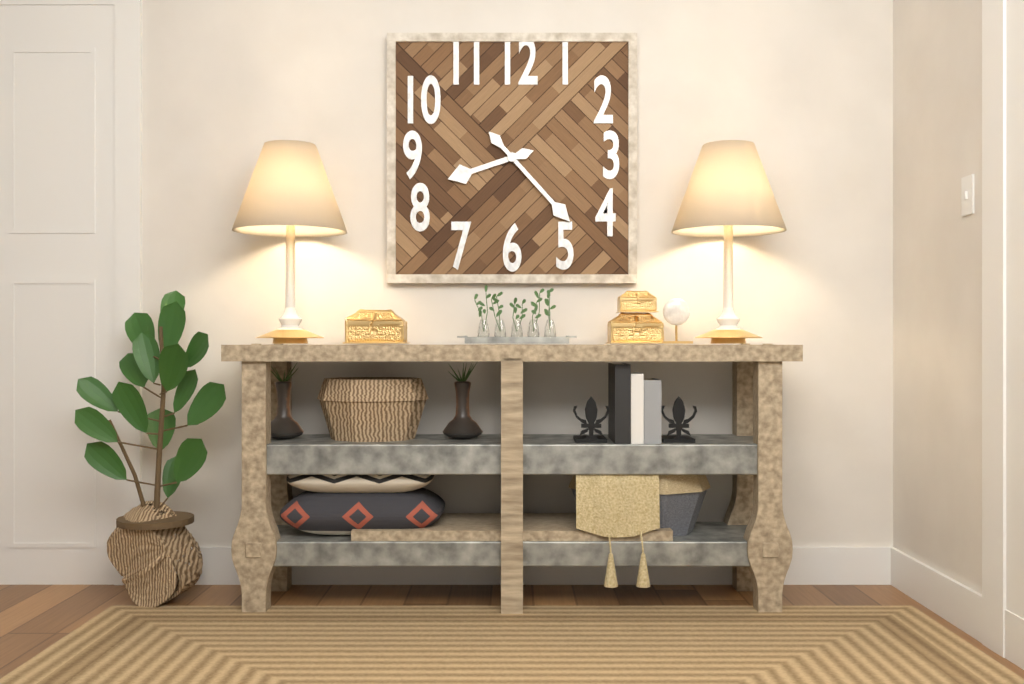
8:23
